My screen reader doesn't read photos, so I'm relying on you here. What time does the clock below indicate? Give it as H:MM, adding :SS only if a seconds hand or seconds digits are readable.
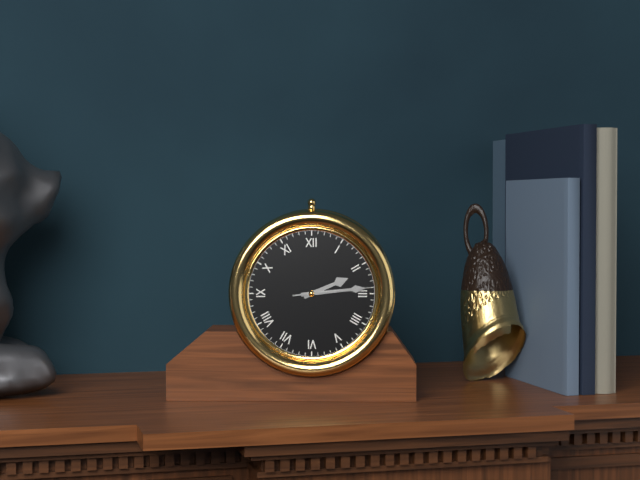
2:14:14
